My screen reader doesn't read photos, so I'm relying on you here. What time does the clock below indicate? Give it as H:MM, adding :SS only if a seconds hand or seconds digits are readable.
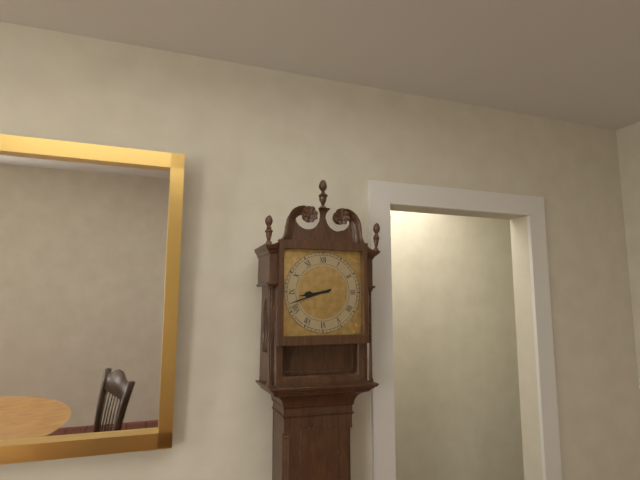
8:42
